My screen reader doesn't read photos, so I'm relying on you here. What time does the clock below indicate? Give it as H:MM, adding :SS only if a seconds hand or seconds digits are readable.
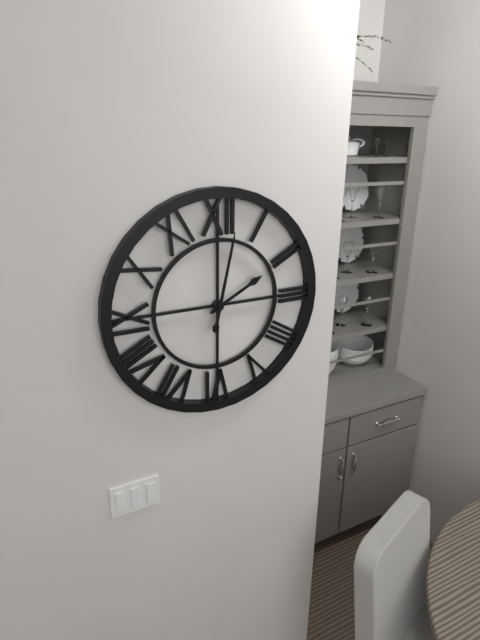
2:02
